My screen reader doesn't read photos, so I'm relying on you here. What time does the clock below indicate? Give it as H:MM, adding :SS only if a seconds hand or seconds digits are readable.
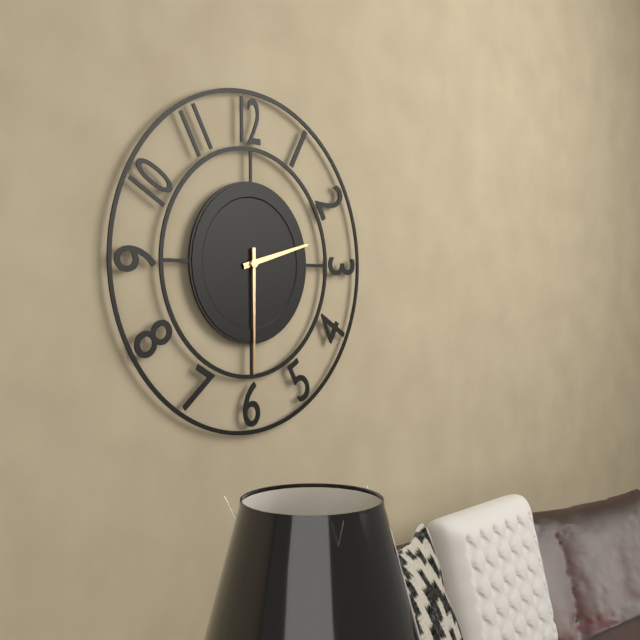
2:30
